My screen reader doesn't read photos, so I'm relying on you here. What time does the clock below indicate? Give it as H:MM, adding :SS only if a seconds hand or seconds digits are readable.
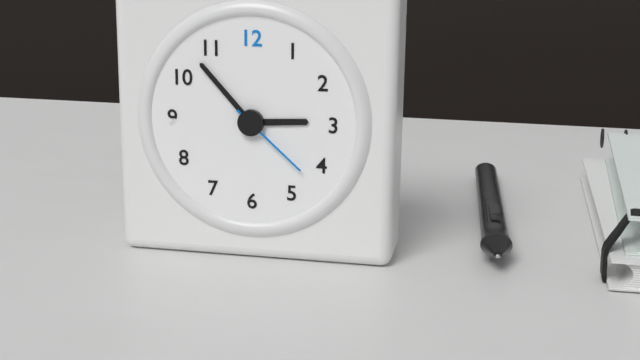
2:53:22
